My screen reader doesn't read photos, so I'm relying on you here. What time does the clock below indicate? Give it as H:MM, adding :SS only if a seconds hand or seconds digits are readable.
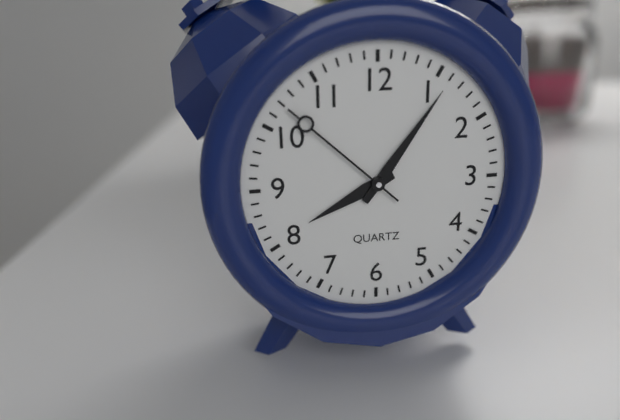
8:06:52
